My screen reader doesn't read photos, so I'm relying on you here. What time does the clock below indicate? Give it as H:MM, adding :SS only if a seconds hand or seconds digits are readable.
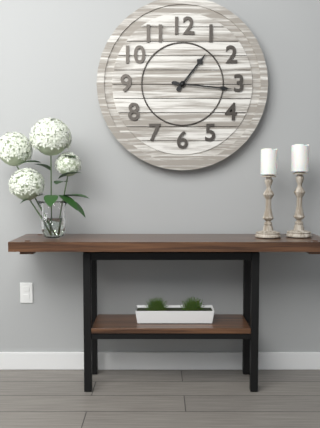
1:16
